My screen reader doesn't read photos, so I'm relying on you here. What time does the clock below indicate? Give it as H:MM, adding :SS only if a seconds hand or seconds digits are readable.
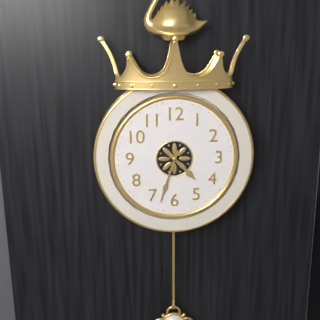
4:33
